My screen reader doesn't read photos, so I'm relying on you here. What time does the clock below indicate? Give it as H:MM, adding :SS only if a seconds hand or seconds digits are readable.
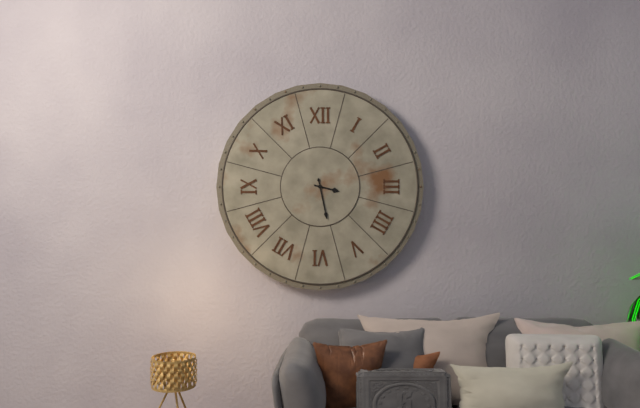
3:28
